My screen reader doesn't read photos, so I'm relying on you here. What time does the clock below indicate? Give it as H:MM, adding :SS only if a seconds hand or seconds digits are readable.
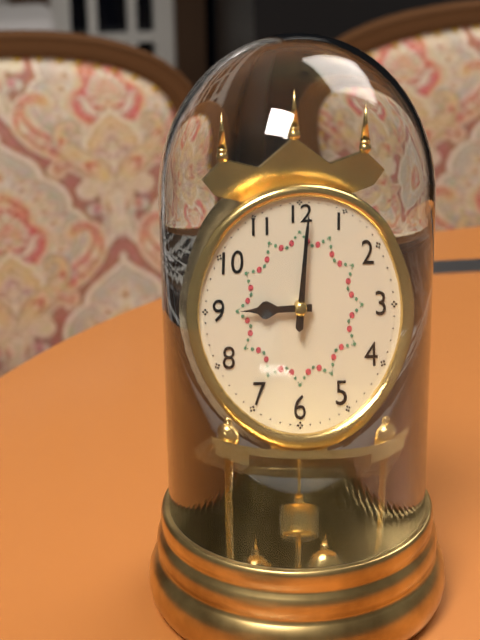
9:01
